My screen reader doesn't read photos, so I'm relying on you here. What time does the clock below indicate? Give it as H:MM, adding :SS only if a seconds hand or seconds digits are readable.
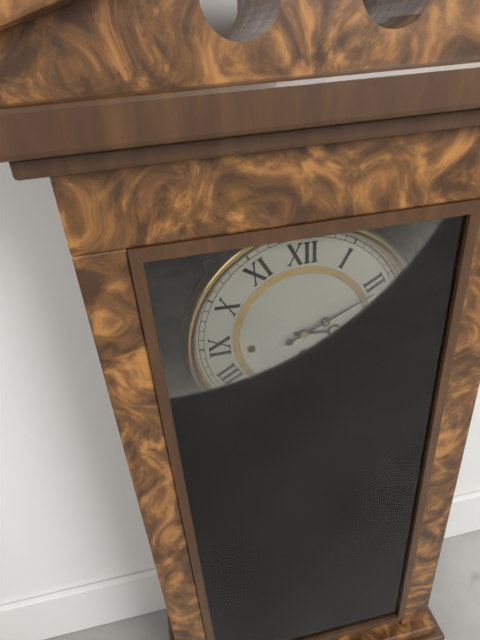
3:11
